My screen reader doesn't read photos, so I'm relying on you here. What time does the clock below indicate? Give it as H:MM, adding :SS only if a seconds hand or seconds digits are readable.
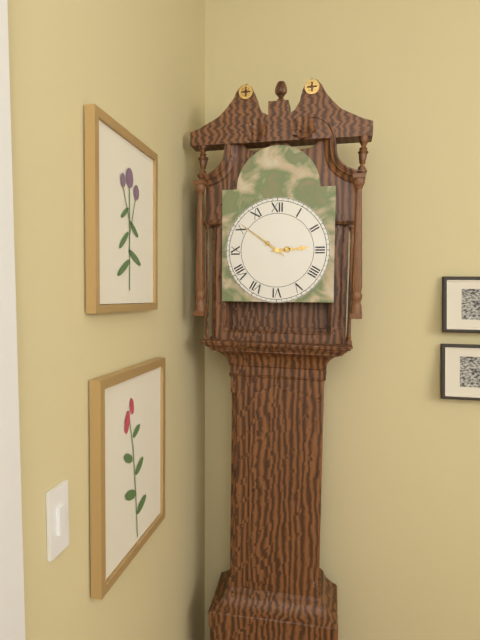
2:51
